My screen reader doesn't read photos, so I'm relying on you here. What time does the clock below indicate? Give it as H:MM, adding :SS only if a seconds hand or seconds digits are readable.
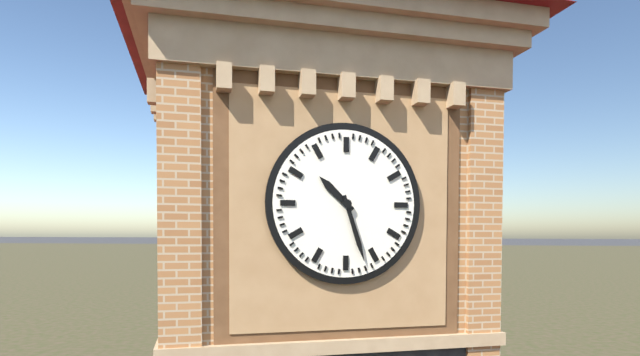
10:27
